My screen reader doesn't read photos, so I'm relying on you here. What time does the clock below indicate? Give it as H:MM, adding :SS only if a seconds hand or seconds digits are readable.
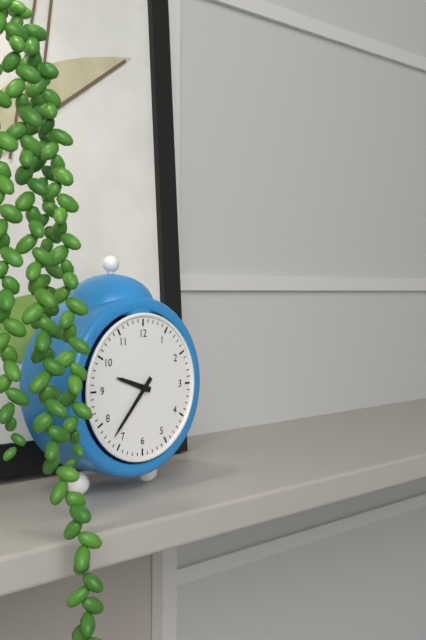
9:37
